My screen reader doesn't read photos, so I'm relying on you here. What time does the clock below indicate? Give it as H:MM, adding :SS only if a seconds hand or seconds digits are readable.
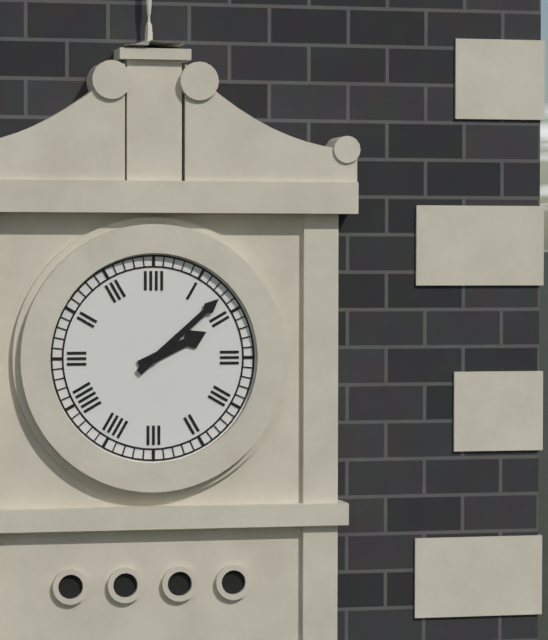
2:08
